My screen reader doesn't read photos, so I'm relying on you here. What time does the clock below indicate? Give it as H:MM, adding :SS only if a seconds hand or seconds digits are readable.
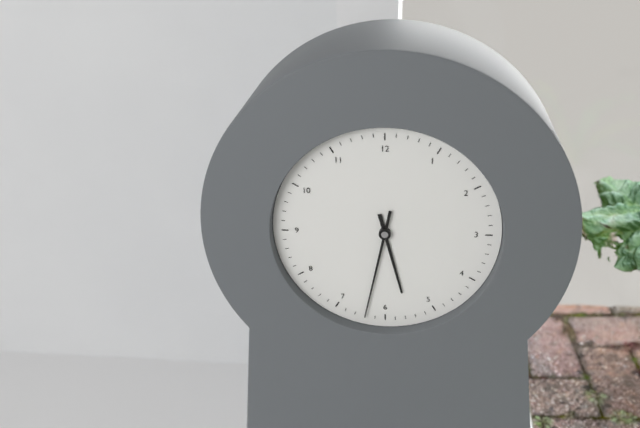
5:32
